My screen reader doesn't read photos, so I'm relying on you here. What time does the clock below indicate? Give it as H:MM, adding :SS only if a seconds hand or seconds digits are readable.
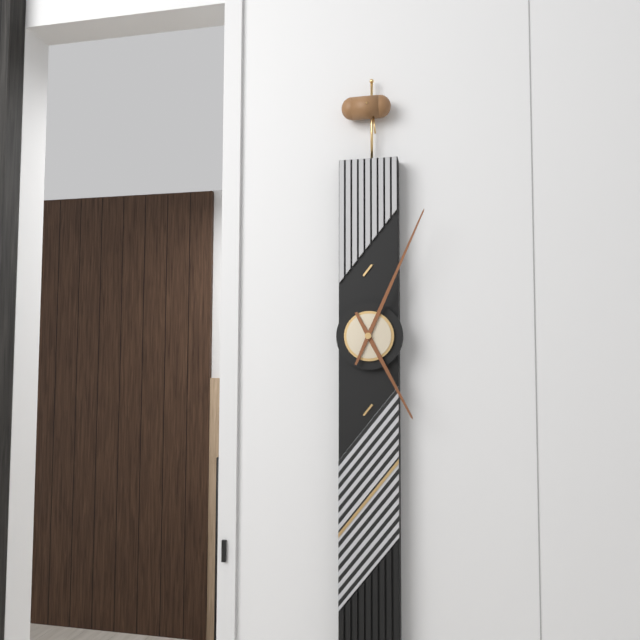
5:04
